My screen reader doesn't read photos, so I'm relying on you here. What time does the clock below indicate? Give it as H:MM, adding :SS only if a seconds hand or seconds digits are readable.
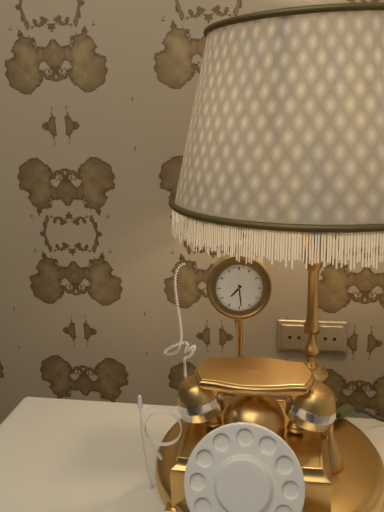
7:29
